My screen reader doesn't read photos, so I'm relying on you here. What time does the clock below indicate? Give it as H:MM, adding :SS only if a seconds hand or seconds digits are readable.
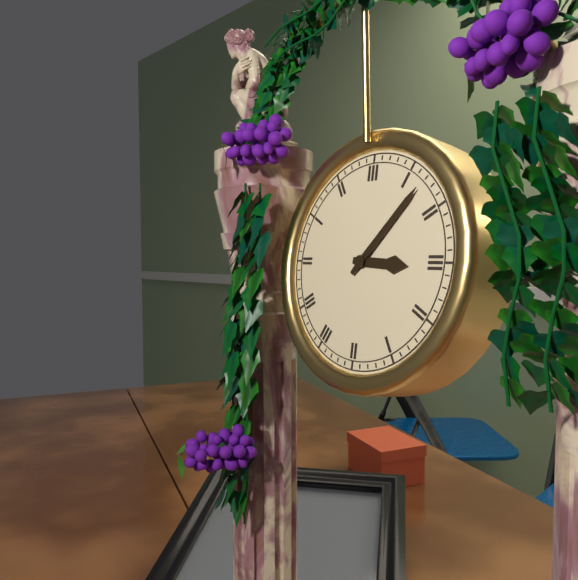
3:07
